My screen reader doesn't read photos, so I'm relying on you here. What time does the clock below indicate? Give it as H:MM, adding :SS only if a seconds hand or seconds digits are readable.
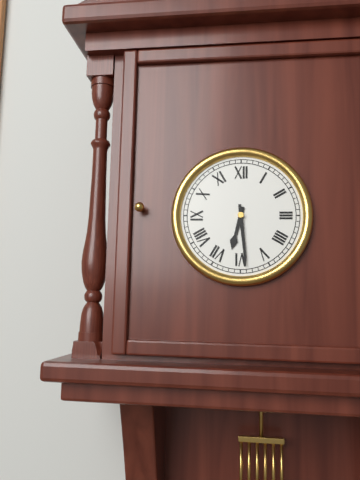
6:29
